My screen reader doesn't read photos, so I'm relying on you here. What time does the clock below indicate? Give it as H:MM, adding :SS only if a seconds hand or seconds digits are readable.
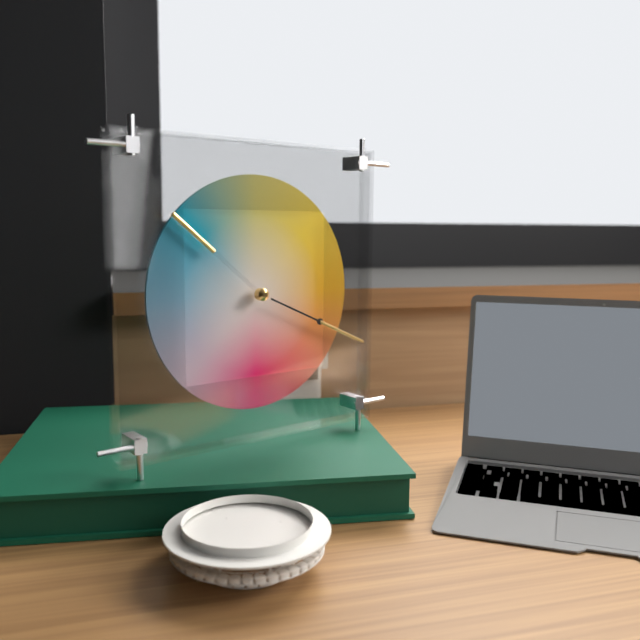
10:19
